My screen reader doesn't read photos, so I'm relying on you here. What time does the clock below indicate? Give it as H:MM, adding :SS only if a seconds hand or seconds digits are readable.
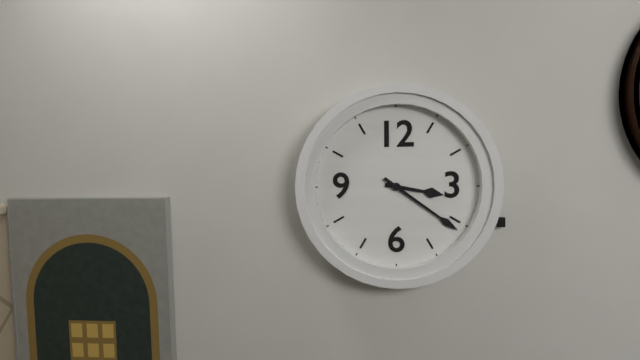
3:21
